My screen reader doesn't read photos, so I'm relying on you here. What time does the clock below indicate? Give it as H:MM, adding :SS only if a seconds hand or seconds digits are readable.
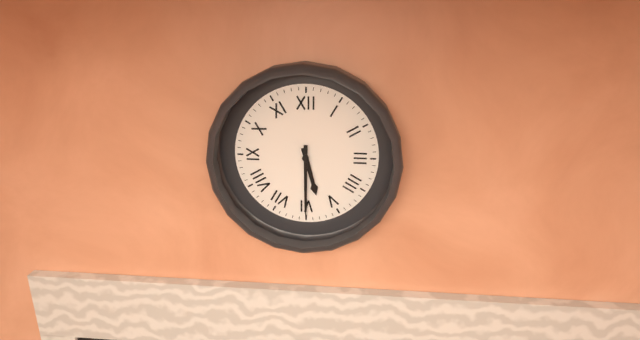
5:30
